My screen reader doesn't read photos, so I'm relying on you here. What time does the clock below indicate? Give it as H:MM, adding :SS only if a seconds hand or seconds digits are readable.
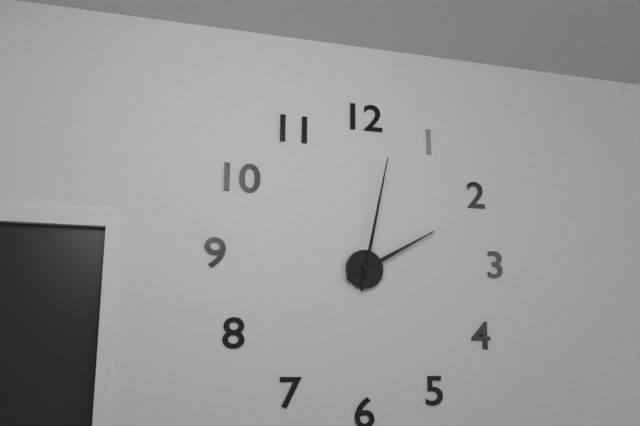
2:02
